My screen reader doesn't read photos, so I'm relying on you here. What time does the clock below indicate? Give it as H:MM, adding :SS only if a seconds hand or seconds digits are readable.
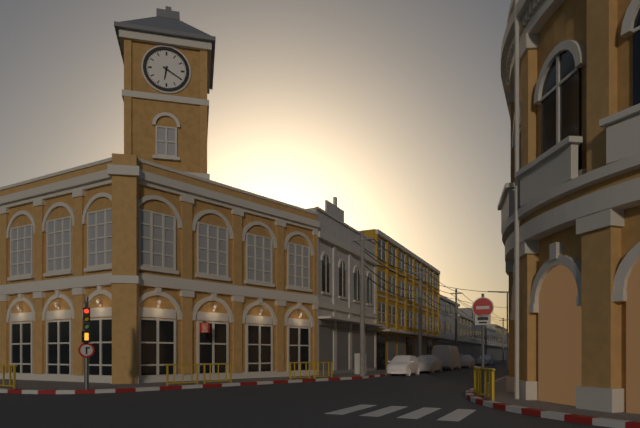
6:20
